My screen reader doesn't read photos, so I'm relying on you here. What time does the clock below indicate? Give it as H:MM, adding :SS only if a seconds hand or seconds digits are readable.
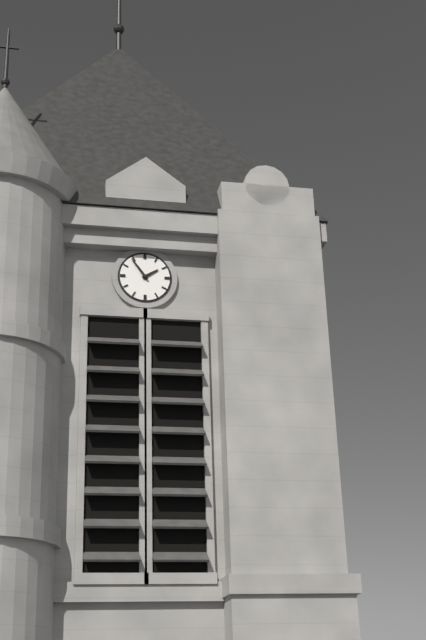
1:54
